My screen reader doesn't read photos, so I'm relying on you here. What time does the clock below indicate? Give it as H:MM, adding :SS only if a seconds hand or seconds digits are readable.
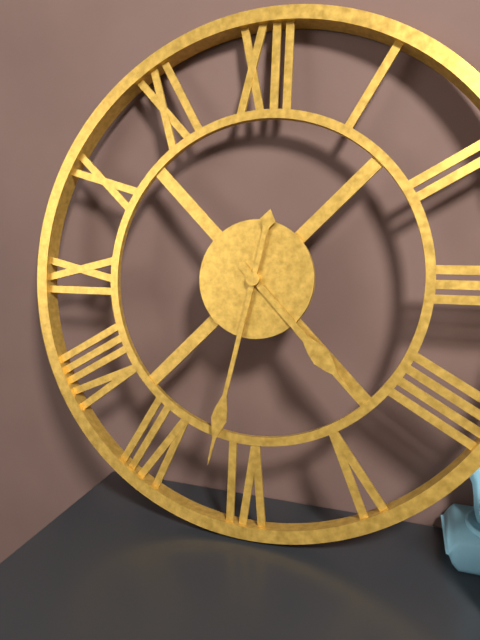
4:32
